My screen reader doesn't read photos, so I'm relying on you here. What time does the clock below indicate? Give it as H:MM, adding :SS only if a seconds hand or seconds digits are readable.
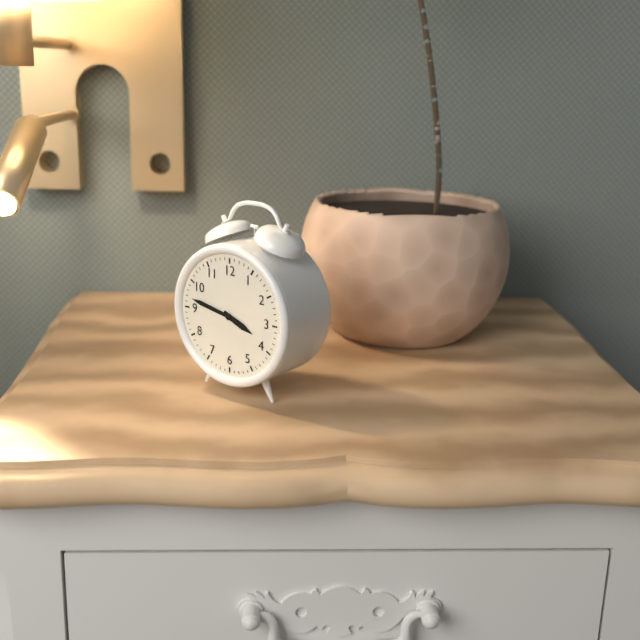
3:47
